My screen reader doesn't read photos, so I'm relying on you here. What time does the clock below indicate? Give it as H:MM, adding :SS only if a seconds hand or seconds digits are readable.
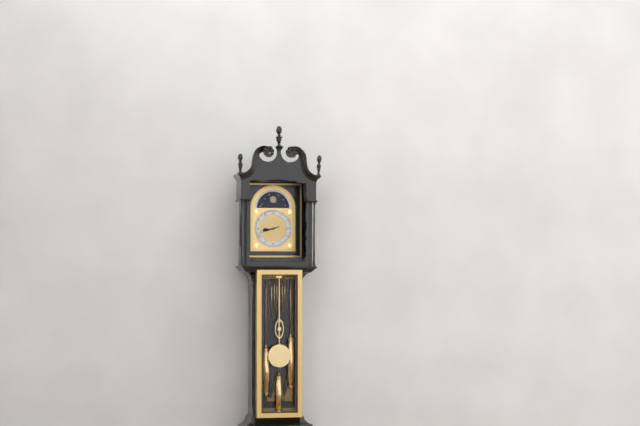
8:42
